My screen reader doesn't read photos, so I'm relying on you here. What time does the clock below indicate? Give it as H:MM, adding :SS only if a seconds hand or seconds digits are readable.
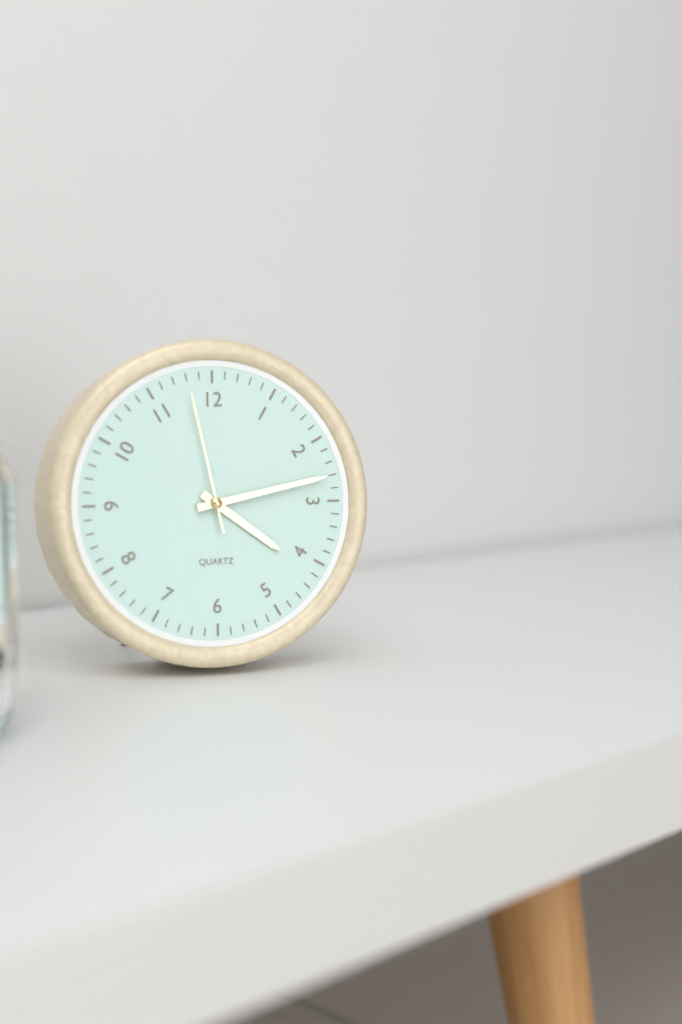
4:13:58
